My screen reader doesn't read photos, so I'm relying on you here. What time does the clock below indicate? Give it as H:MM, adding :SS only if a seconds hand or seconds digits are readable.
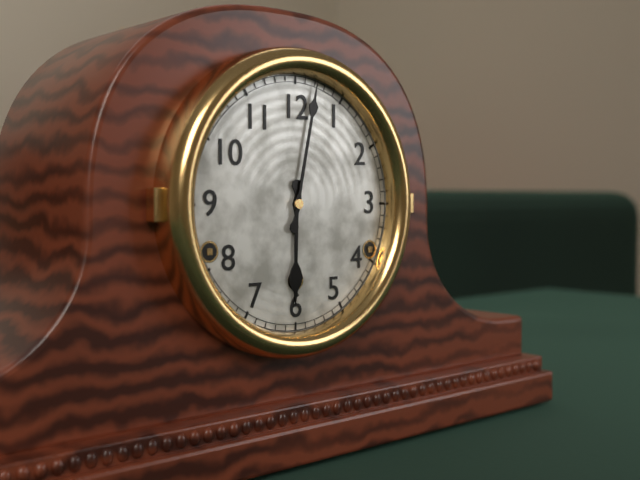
6:02
